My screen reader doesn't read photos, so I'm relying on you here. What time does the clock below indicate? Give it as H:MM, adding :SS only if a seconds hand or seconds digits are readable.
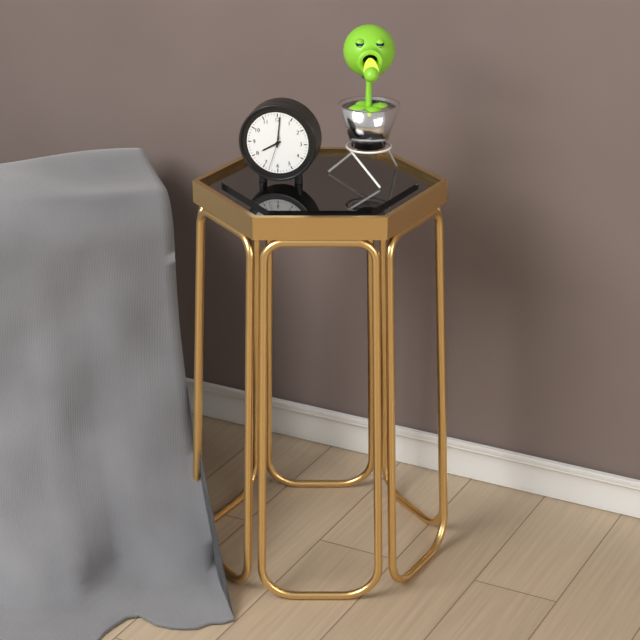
8:01
